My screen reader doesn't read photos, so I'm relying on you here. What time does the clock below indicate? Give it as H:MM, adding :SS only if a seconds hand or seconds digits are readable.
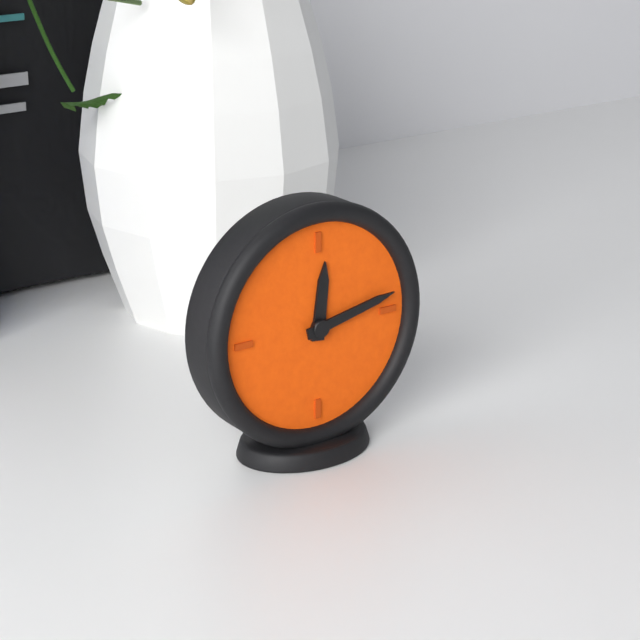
12:13
